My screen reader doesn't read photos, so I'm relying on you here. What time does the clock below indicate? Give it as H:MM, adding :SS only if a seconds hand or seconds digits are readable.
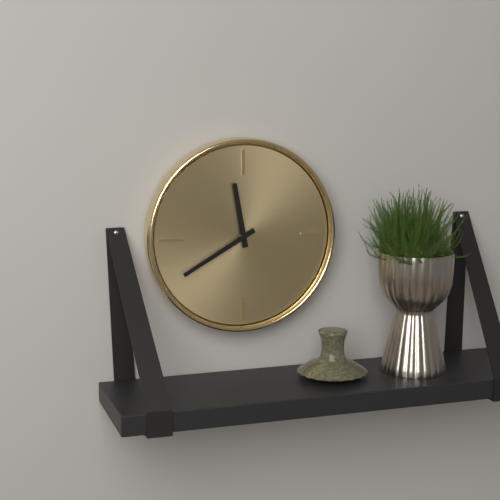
11:40
